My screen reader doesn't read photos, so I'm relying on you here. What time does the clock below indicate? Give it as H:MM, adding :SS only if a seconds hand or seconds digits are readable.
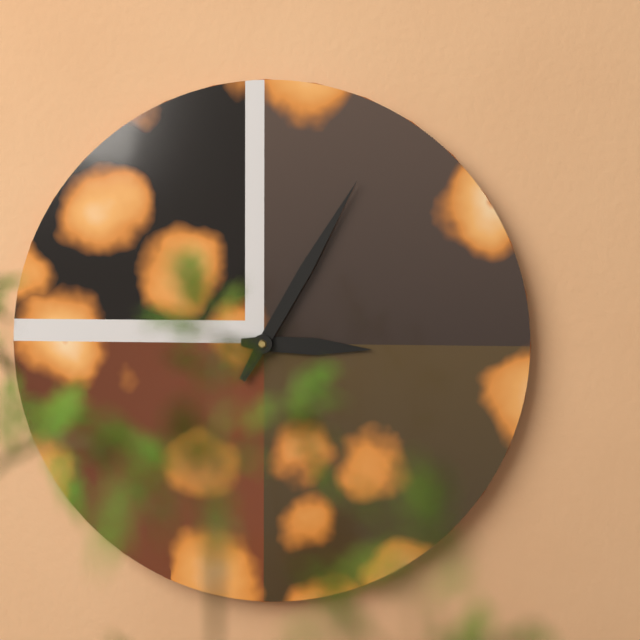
3:05
